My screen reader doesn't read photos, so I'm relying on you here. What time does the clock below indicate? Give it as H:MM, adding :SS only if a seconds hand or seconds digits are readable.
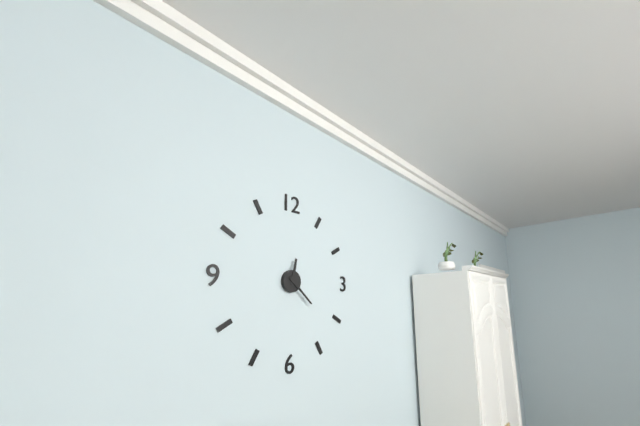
12:22
